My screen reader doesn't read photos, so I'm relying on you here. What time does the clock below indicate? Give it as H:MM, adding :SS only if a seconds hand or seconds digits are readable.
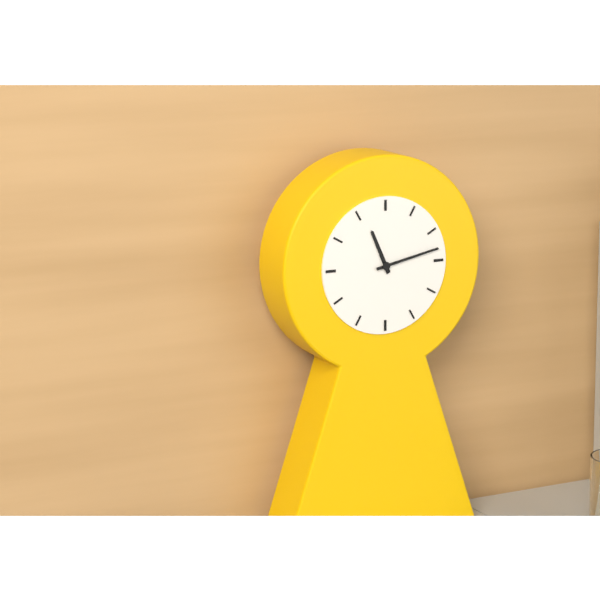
11:13
